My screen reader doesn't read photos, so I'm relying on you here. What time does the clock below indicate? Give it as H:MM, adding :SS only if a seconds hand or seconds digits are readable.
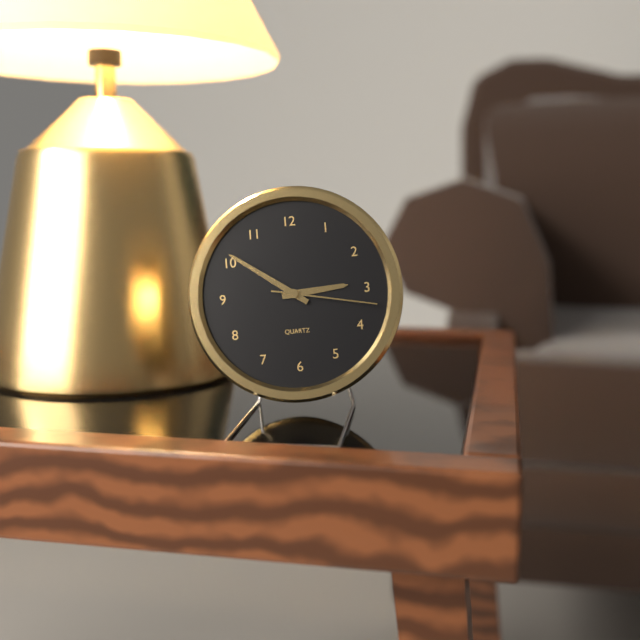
2:51:17
